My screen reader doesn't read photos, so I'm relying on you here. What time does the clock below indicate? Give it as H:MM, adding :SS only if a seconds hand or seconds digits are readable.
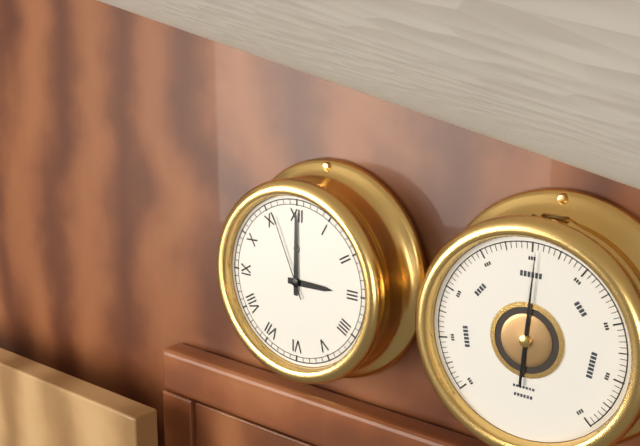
3:00:56
